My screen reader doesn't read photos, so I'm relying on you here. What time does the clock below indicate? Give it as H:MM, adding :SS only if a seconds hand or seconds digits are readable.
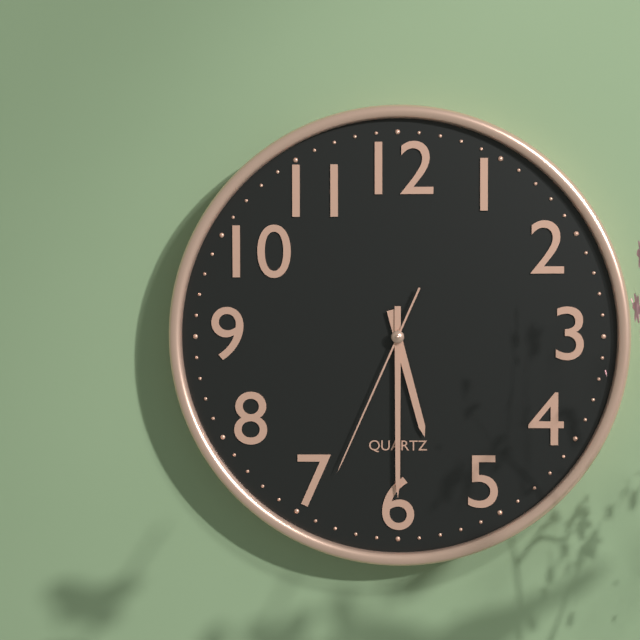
5:30:34
